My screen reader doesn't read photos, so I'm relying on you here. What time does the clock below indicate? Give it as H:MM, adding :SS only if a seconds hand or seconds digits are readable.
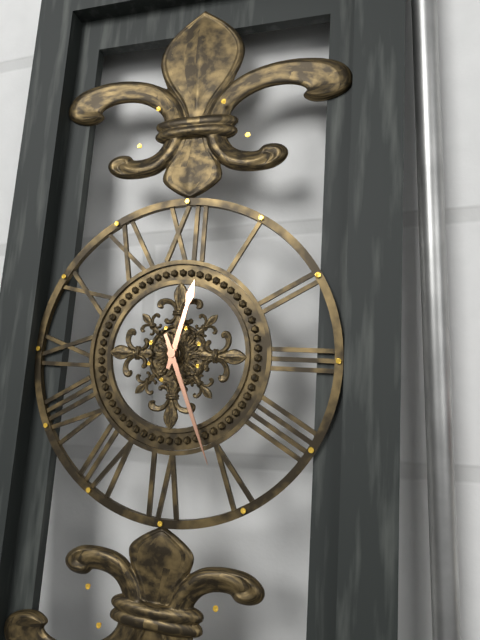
12:26
